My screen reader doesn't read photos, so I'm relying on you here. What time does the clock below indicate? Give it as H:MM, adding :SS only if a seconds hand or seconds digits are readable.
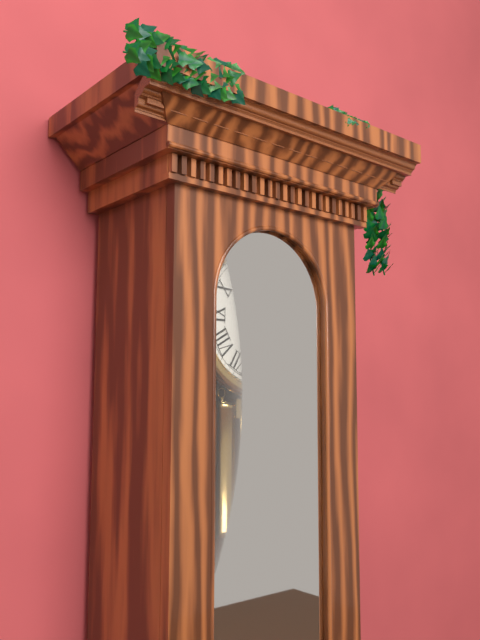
5:57
